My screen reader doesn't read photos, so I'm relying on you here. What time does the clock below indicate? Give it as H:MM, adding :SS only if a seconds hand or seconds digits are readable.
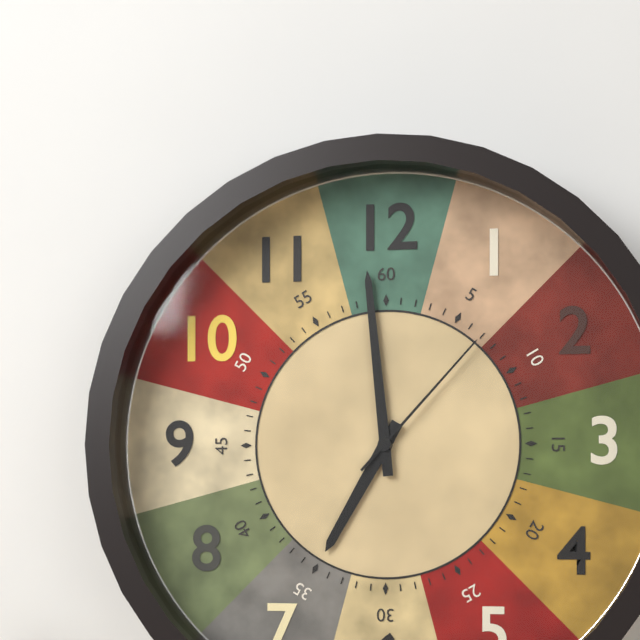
6:59:07
